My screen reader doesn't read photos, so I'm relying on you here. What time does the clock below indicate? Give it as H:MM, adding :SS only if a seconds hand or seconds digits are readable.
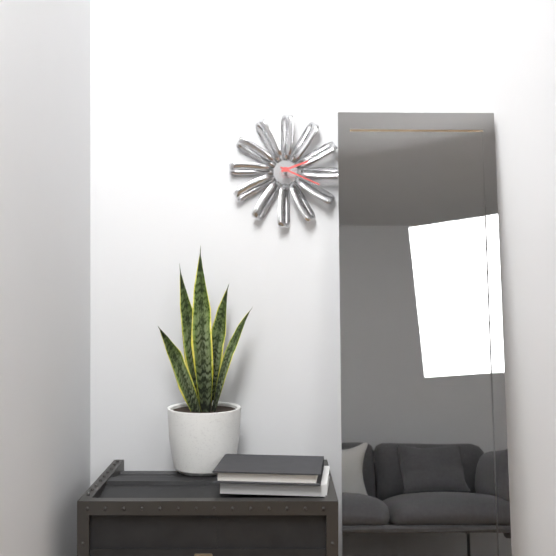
2:19
